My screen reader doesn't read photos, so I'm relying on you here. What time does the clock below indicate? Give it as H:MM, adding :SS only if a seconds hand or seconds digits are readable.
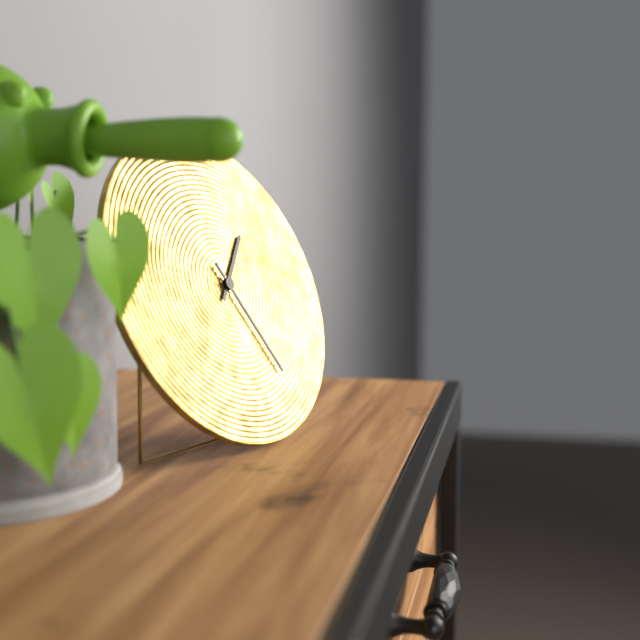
1:26
